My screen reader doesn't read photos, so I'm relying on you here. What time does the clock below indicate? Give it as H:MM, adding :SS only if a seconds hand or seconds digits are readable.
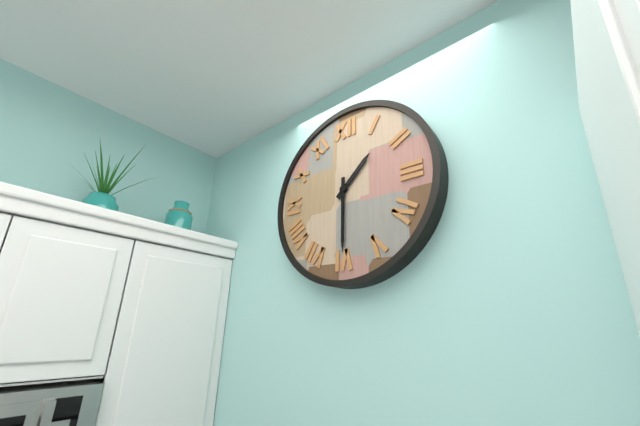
1:30
